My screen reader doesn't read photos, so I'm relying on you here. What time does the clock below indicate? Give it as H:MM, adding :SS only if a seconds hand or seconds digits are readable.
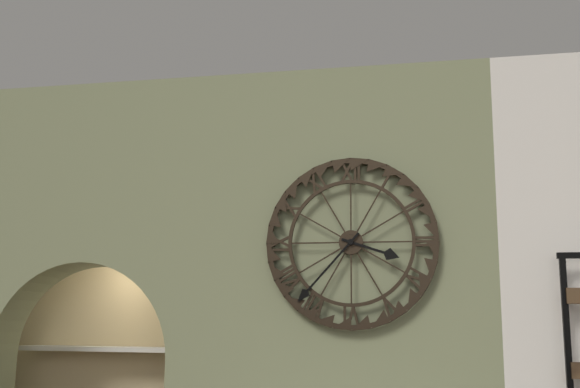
3:37
